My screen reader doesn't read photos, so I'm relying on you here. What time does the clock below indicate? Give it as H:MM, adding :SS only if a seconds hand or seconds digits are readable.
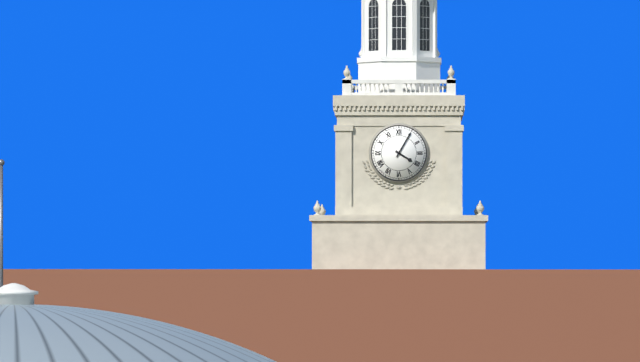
4:05
